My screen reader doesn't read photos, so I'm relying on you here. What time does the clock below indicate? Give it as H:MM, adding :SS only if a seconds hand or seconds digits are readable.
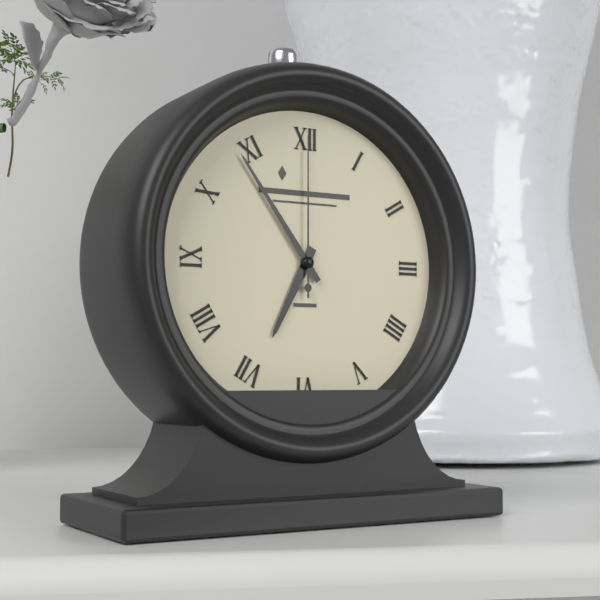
6:54:00
